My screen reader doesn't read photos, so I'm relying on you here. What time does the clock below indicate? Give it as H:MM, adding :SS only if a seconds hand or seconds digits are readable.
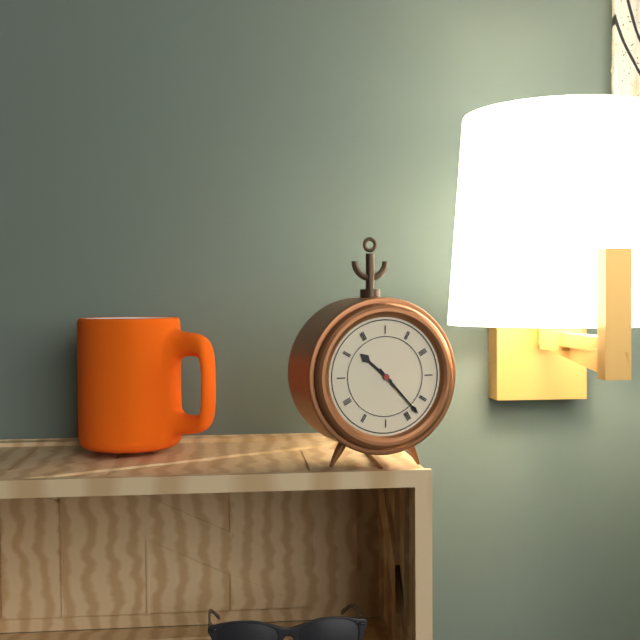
10:23
